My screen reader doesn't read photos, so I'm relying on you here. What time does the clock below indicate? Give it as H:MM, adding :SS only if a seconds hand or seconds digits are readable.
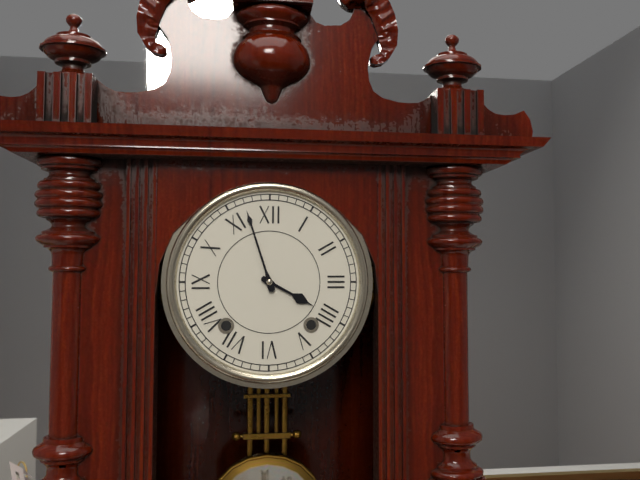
3:57
